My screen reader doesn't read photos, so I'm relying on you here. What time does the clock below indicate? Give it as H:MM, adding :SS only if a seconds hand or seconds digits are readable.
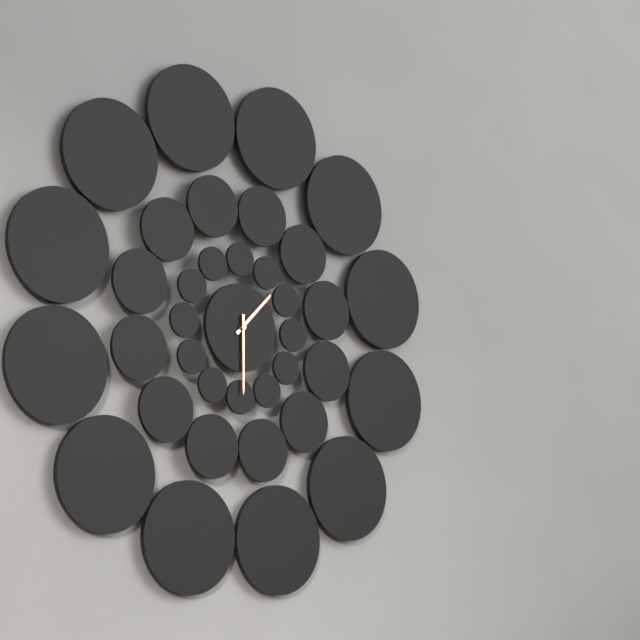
1:30
